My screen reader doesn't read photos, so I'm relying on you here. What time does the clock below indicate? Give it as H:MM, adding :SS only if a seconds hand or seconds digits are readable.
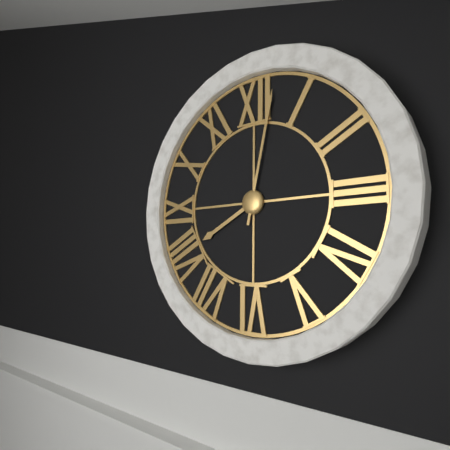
8:02
